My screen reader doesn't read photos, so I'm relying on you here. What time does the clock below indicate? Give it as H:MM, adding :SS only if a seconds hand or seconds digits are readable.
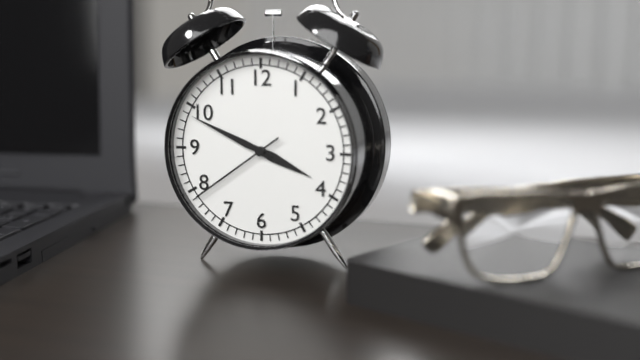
3:49:39
